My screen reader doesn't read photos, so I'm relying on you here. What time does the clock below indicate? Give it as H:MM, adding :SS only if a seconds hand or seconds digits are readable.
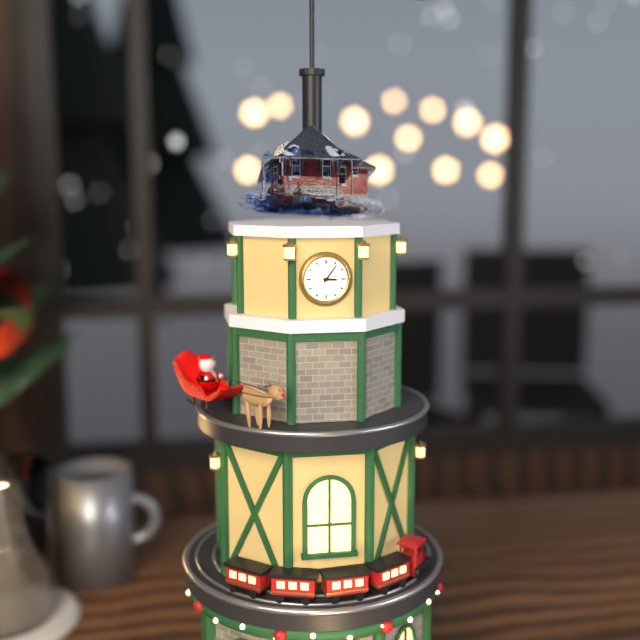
3:06
